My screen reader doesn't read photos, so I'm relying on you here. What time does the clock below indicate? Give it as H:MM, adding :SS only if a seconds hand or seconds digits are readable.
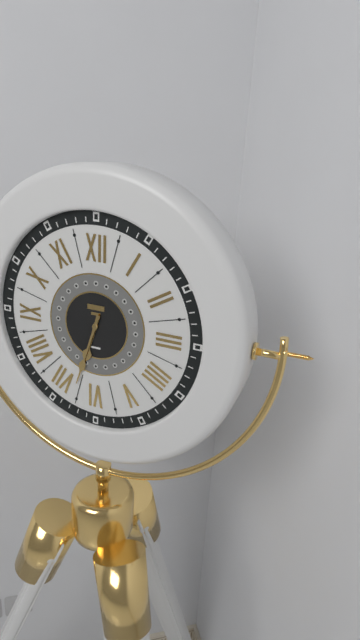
6:33
